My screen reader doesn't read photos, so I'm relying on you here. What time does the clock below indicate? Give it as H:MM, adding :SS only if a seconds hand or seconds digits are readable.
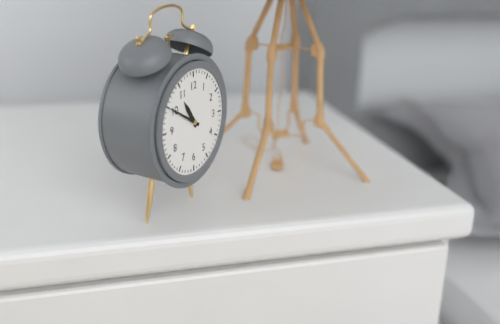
10:50
